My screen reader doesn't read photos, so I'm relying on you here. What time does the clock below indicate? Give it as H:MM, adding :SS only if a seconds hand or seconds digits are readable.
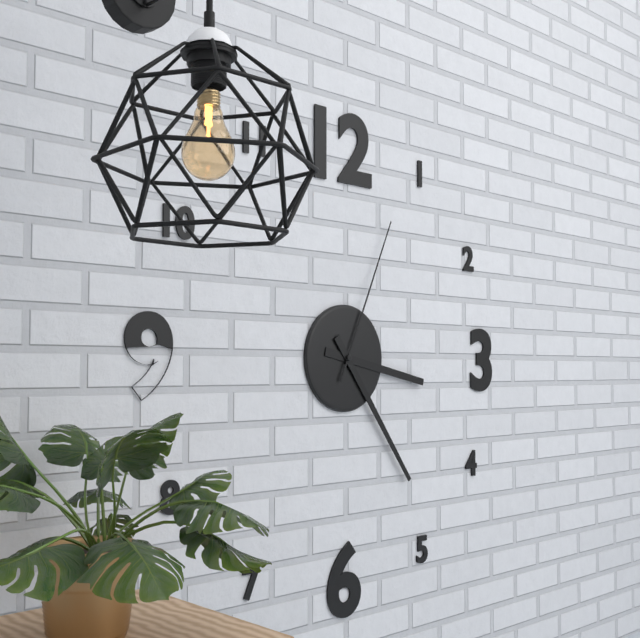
3:24:04
